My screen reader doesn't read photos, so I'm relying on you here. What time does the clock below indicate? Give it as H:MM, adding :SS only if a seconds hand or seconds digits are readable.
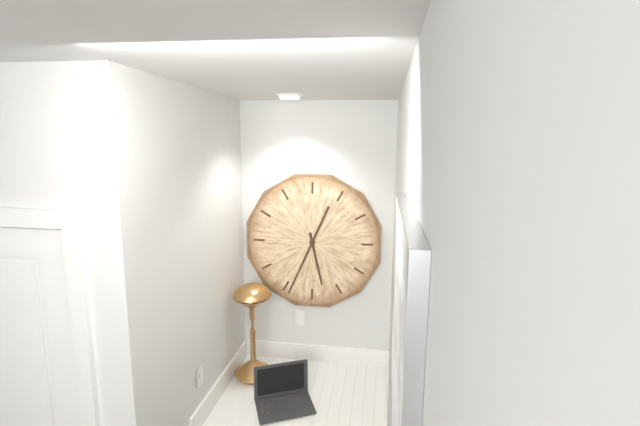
5:34
